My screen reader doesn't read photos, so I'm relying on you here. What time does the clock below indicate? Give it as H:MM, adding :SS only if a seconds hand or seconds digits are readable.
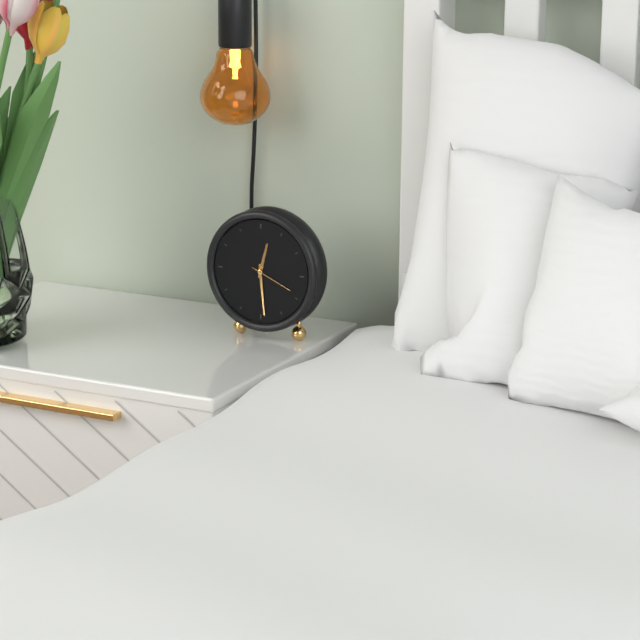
12:29
